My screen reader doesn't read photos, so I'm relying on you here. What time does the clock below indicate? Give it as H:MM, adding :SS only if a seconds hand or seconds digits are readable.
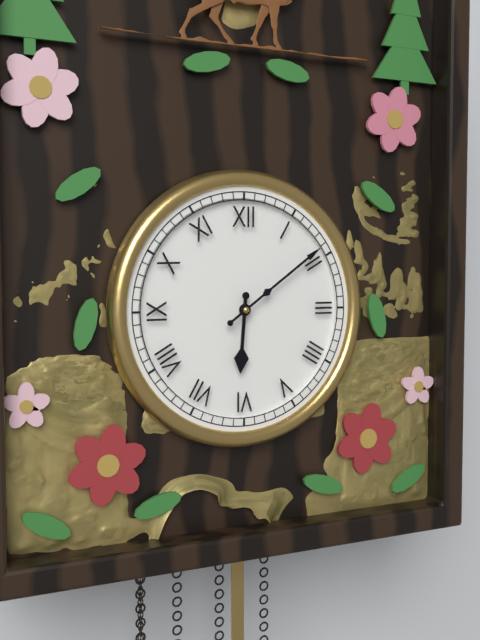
6:09
